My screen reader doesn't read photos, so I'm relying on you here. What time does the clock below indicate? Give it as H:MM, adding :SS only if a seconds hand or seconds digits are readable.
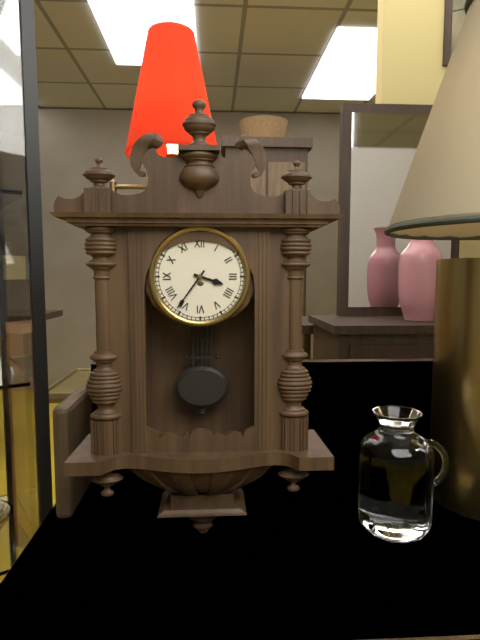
3:36
